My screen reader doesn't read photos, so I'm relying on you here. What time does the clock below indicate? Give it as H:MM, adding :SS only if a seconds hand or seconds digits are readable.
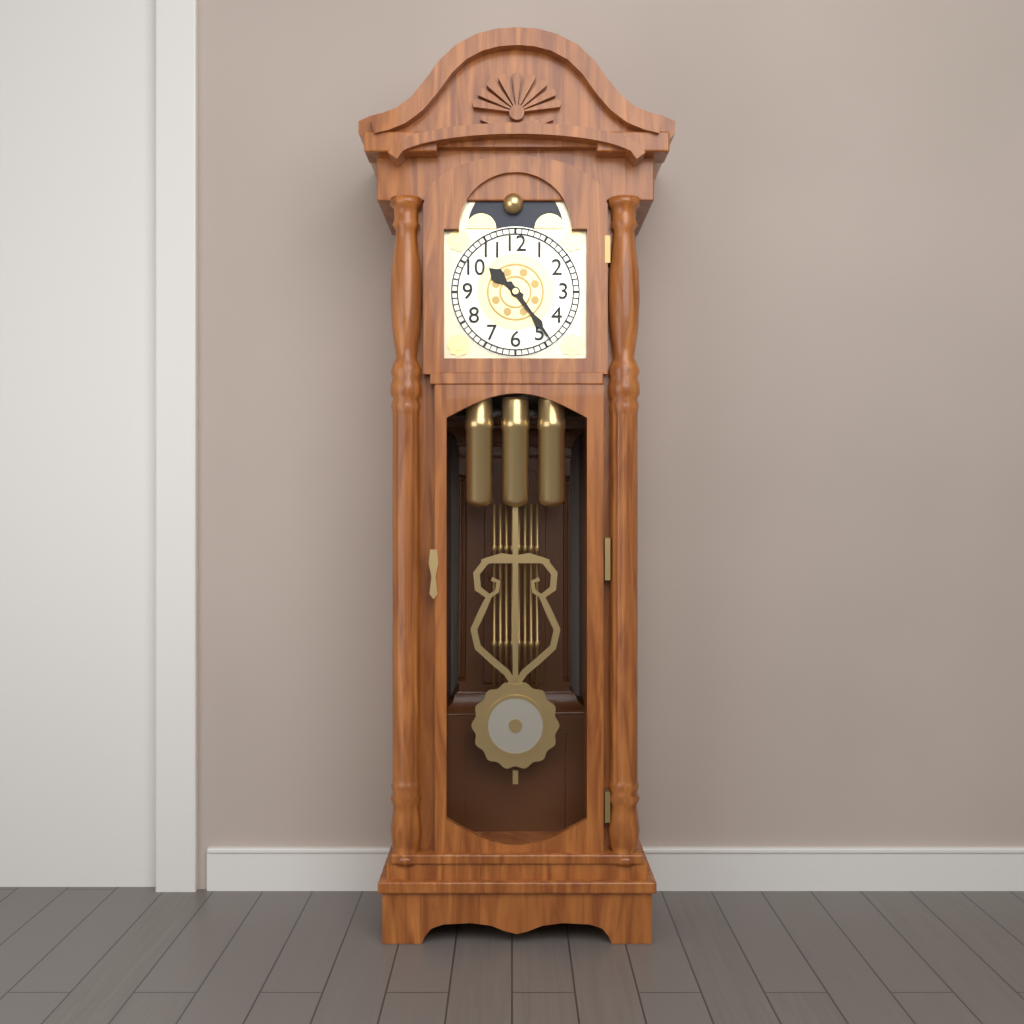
10:24
